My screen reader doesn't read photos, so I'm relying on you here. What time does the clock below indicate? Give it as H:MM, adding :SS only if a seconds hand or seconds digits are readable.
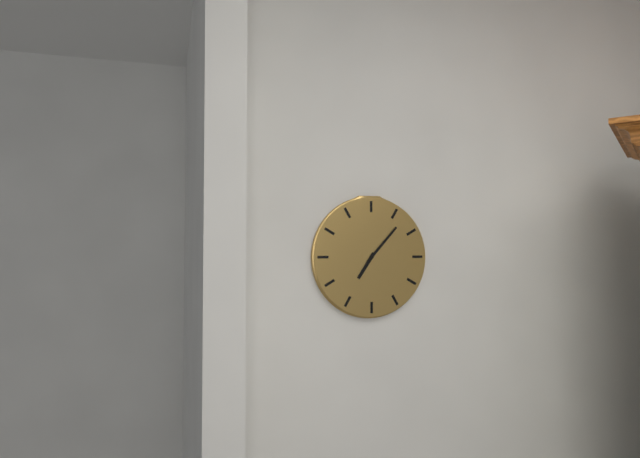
7:07
